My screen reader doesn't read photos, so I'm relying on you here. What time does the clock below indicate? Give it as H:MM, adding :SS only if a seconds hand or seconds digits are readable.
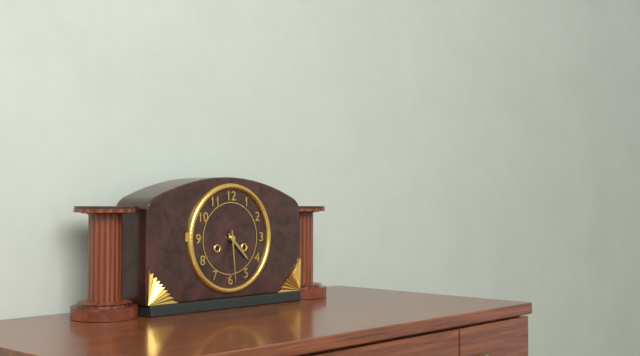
4:29
